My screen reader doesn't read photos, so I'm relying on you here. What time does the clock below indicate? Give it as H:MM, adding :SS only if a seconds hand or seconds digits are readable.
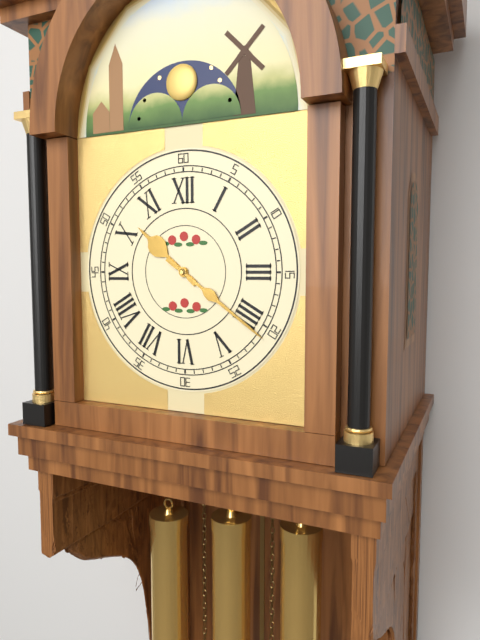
10:21
